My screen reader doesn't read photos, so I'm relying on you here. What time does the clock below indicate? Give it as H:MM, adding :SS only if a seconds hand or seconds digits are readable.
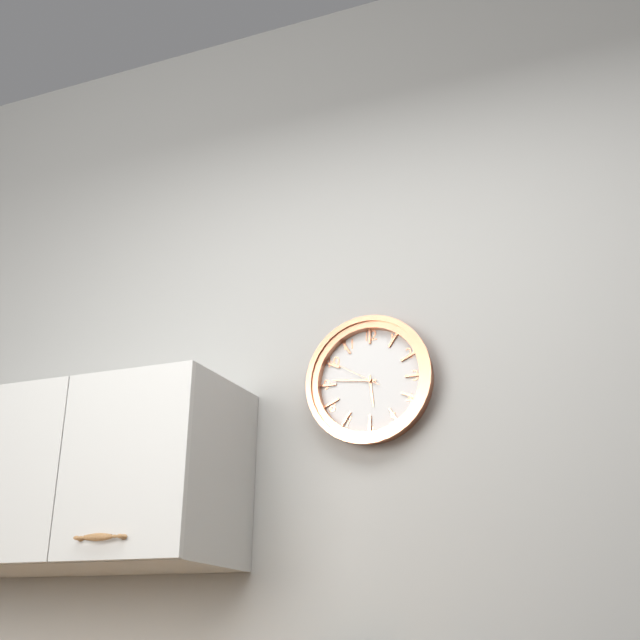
5:46:50
